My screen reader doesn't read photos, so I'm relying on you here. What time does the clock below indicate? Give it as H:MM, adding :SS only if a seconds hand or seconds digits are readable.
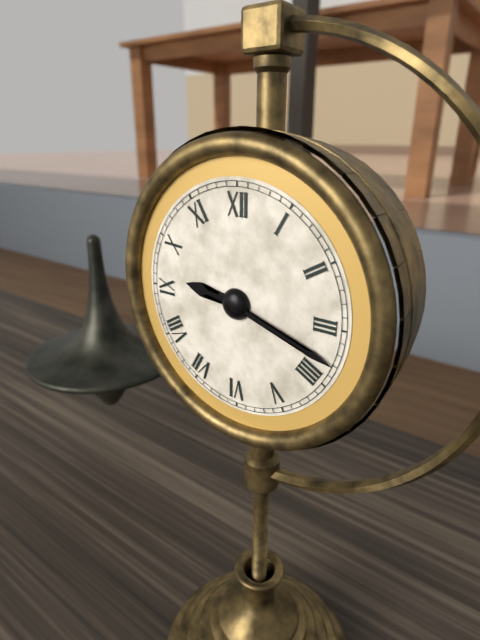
9:18
